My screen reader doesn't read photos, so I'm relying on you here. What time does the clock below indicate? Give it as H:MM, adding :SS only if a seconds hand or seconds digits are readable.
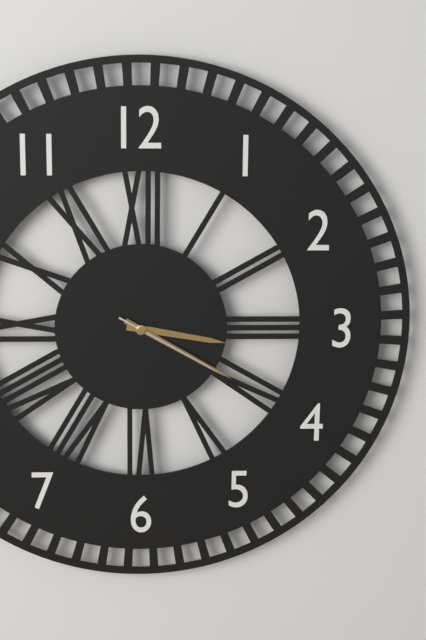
3:20:20
